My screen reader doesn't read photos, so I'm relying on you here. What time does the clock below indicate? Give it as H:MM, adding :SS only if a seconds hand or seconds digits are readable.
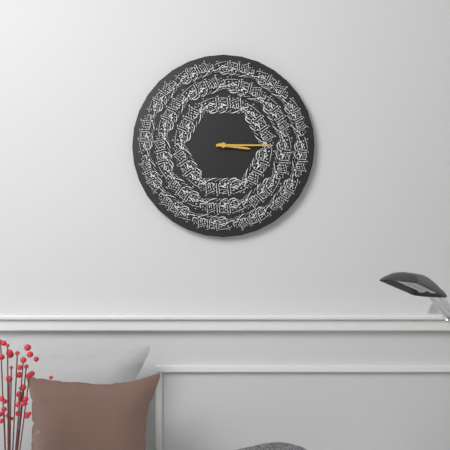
3:15
